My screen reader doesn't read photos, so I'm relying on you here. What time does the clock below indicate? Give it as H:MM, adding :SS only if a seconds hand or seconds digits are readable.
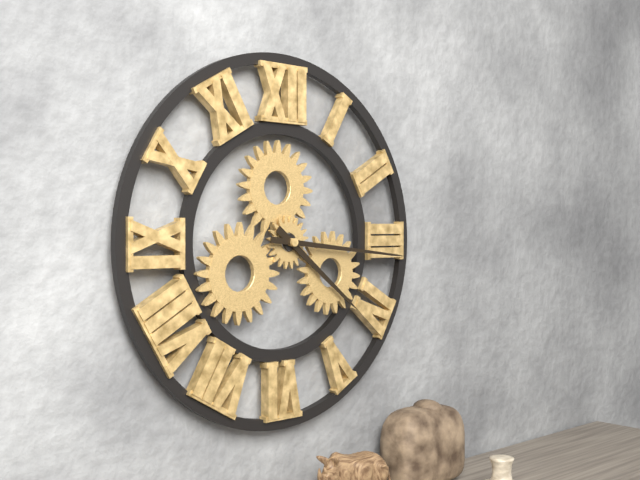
4:16
